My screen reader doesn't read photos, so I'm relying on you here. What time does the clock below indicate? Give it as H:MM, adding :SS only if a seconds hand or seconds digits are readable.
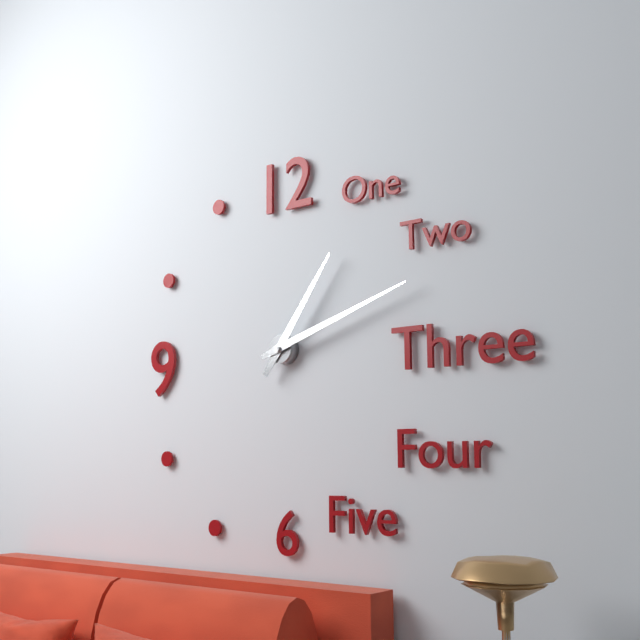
1:12
